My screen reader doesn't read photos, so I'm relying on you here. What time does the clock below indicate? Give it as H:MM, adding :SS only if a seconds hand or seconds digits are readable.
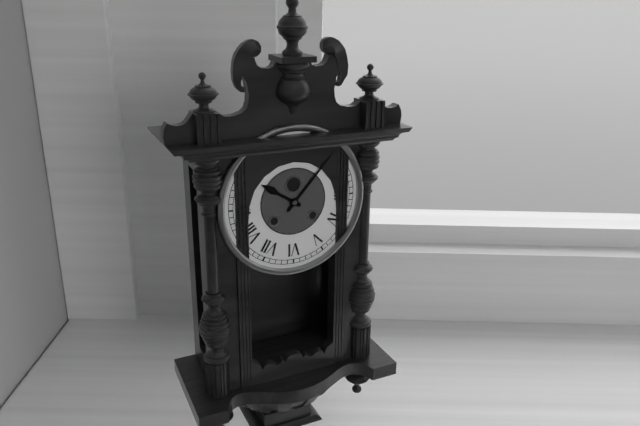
10:07
